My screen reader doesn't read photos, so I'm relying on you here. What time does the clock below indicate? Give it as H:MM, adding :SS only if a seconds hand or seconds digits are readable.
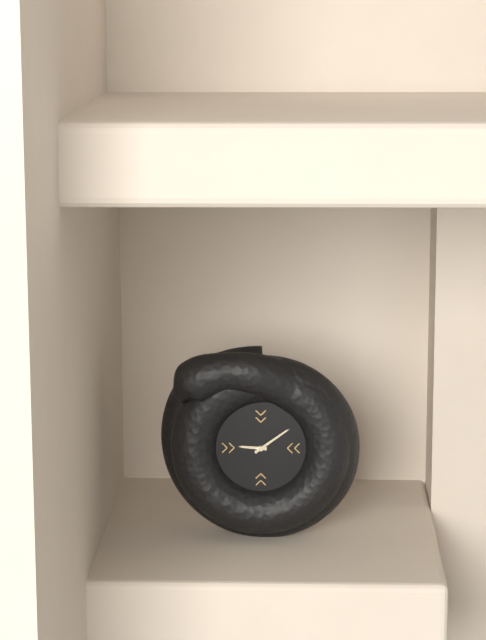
9:09
